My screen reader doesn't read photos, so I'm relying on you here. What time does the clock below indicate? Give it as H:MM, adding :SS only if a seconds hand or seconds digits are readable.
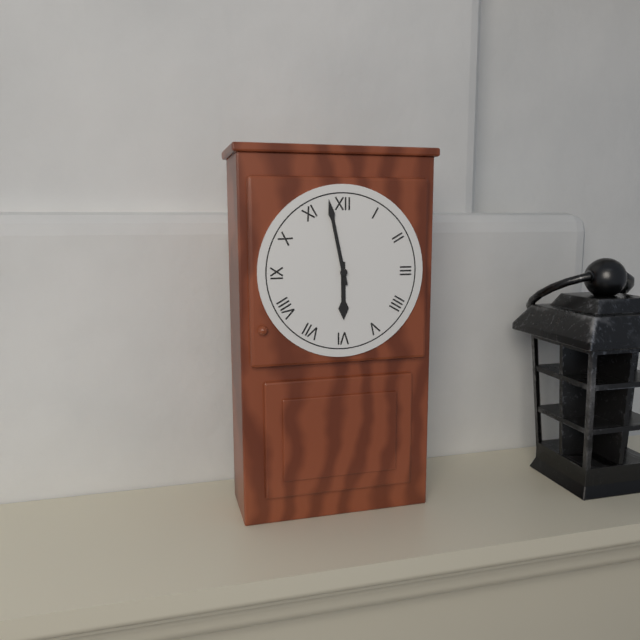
5:58
